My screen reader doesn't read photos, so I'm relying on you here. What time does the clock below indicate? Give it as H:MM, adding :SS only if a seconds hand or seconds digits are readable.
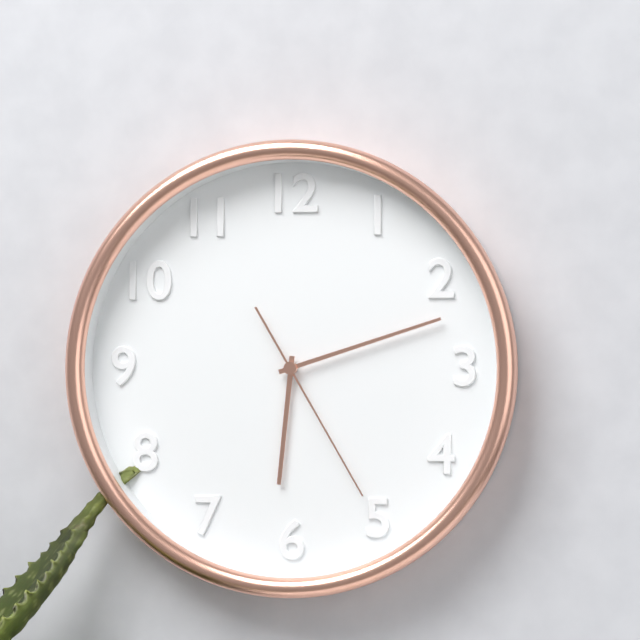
6:12:25
